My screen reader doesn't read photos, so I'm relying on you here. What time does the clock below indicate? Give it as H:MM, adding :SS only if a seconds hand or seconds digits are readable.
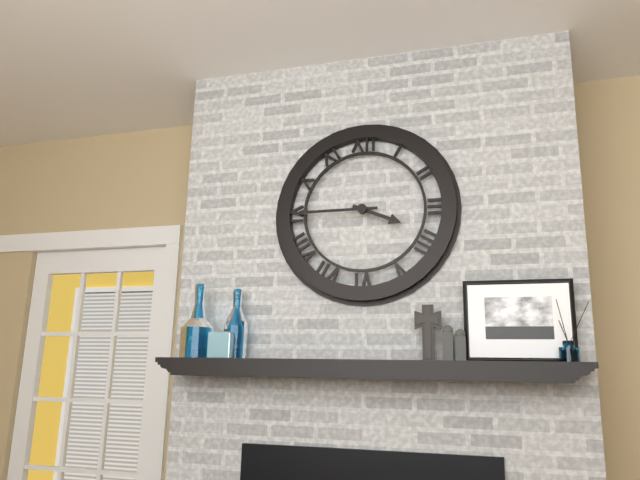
3:45
